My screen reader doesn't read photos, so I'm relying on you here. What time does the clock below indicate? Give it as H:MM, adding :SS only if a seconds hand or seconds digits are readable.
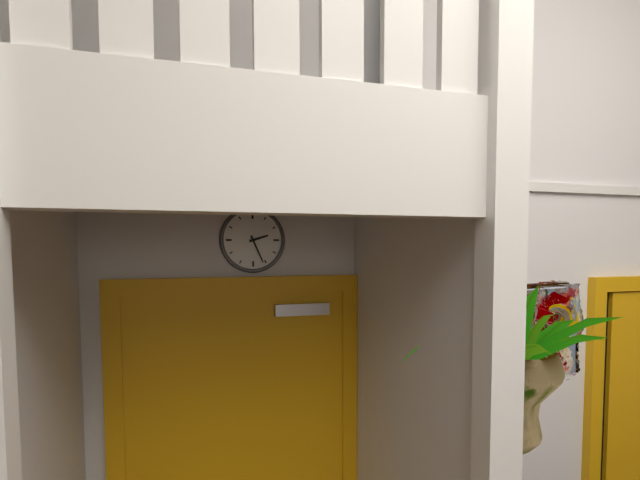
2:26
